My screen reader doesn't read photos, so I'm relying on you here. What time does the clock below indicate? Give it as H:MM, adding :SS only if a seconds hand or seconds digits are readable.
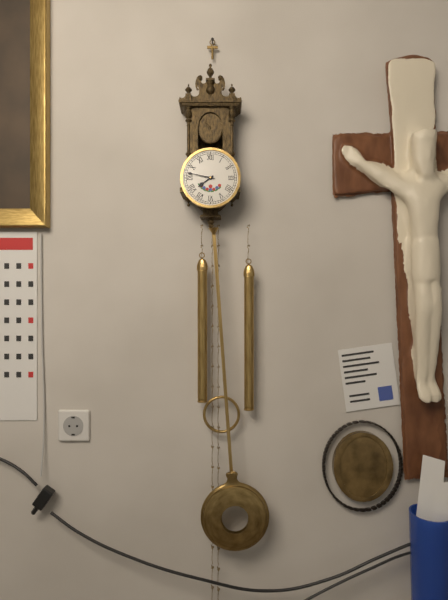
7:47
